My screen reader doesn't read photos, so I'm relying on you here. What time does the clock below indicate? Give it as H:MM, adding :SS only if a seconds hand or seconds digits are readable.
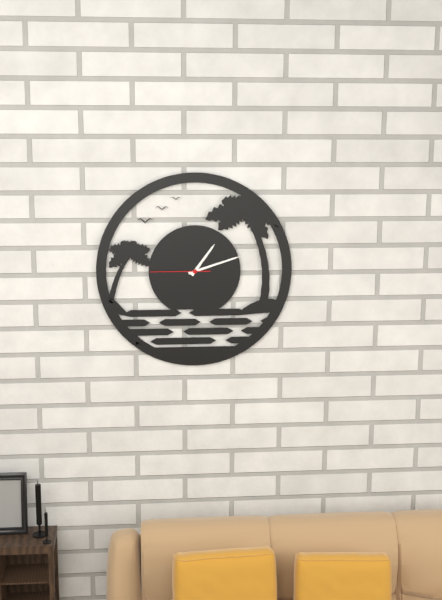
1:12:45
